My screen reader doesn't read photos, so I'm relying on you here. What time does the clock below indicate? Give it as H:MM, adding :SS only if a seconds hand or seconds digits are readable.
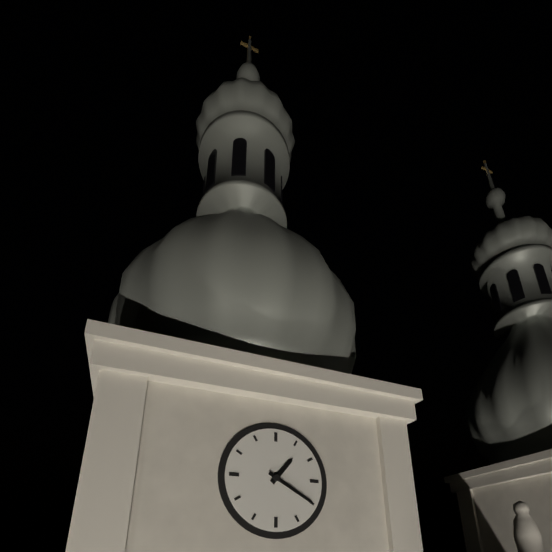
1:20
